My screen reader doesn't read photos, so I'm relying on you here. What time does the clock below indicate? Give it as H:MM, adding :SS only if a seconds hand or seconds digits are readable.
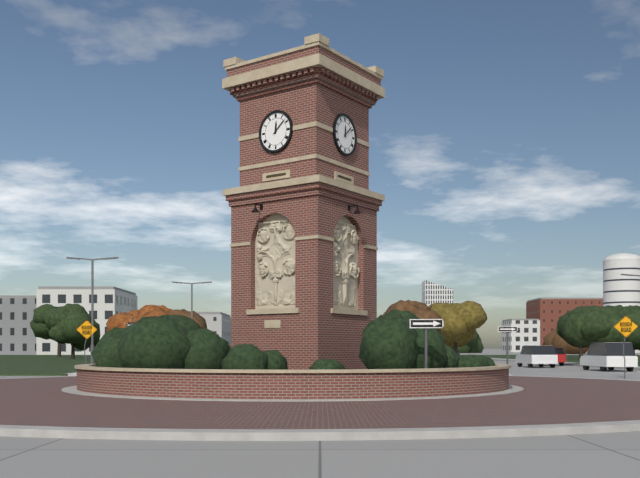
12:08
